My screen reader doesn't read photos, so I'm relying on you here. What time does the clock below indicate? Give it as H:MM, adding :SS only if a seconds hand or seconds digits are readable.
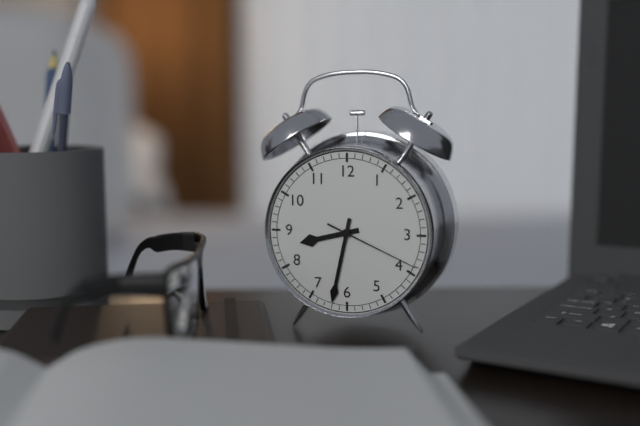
8:32:19
